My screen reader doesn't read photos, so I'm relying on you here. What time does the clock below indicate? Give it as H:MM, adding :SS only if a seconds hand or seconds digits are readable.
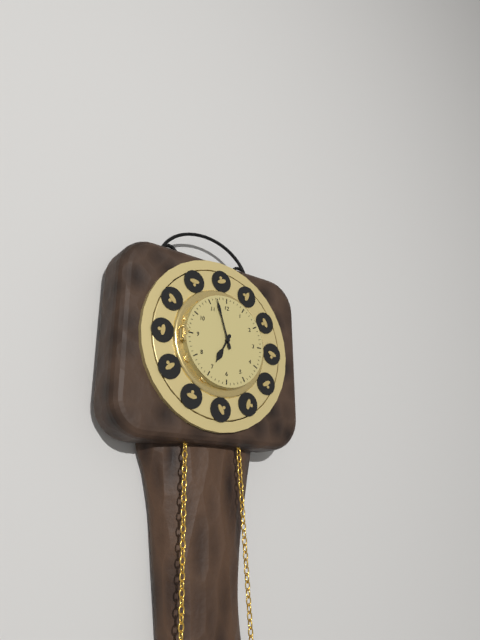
6:57
